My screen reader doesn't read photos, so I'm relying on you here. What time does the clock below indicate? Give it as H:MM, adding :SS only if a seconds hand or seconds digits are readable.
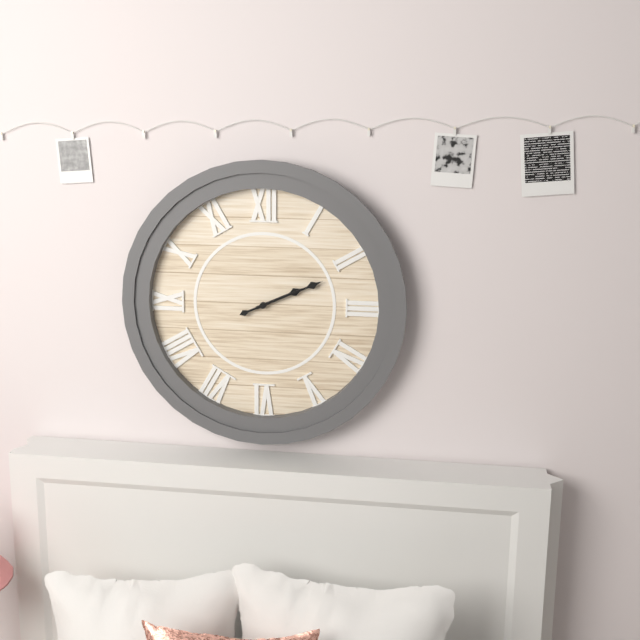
2:11
